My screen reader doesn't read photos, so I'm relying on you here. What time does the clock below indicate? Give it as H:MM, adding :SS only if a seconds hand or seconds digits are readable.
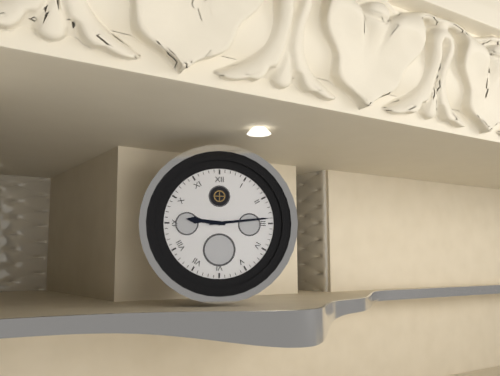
9:14
